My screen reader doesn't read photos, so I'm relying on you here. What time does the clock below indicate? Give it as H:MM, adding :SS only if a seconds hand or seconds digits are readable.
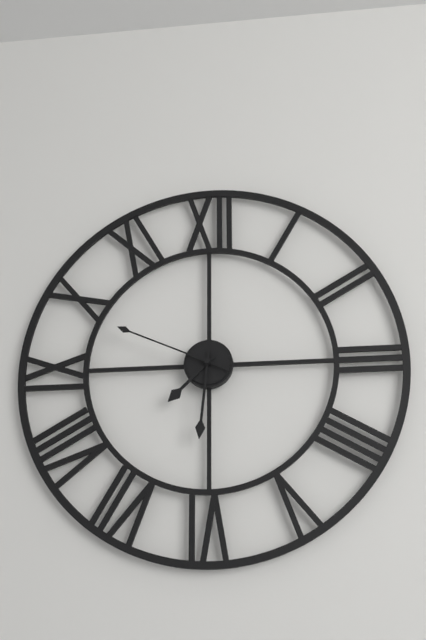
7:31:49
